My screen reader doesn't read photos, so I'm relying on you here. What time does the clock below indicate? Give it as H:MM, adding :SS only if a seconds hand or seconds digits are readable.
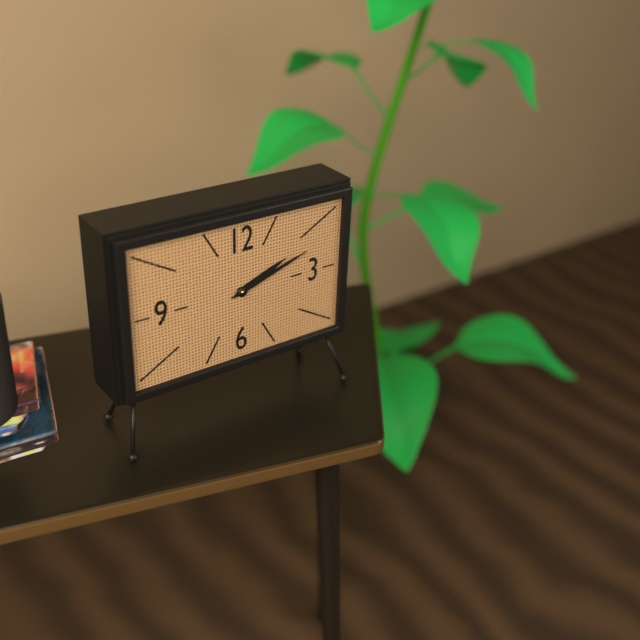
2:12
